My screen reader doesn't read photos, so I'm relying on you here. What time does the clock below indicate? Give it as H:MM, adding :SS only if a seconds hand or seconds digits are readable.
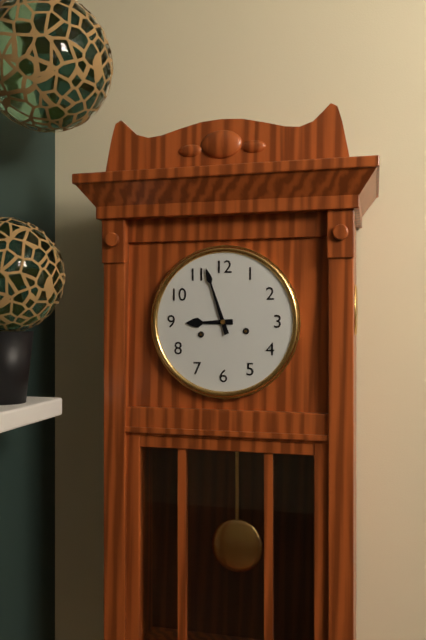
8:57
